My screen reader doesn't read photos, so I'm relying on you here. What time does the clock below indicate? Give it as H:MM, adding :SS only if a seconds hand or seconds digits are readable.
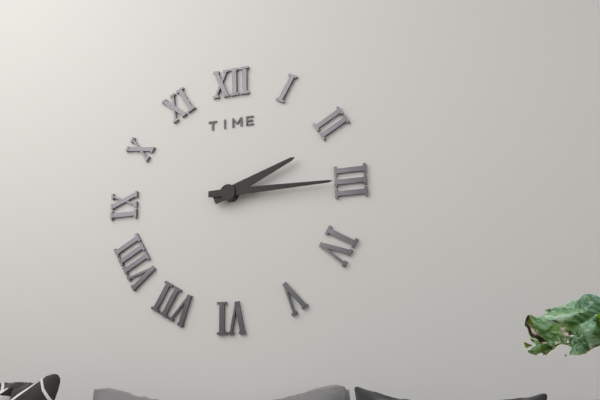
2:15
